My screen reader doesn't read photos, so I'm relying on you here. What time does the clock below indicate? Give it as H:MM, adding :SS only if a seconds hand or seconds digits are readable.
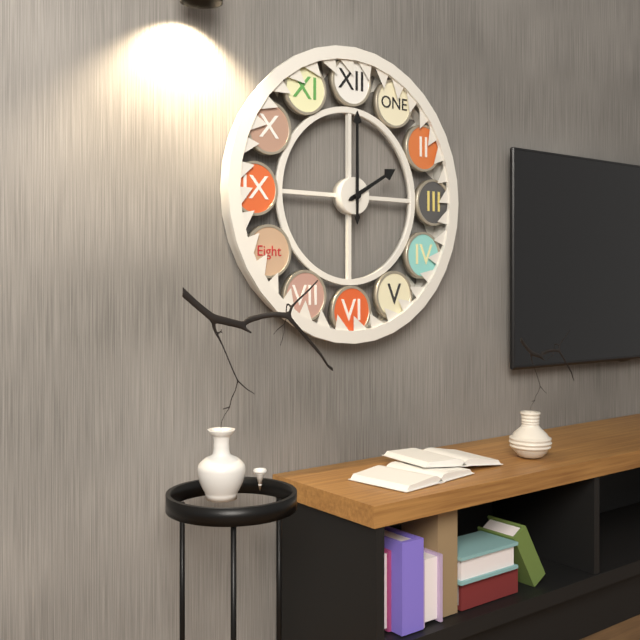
2:00
